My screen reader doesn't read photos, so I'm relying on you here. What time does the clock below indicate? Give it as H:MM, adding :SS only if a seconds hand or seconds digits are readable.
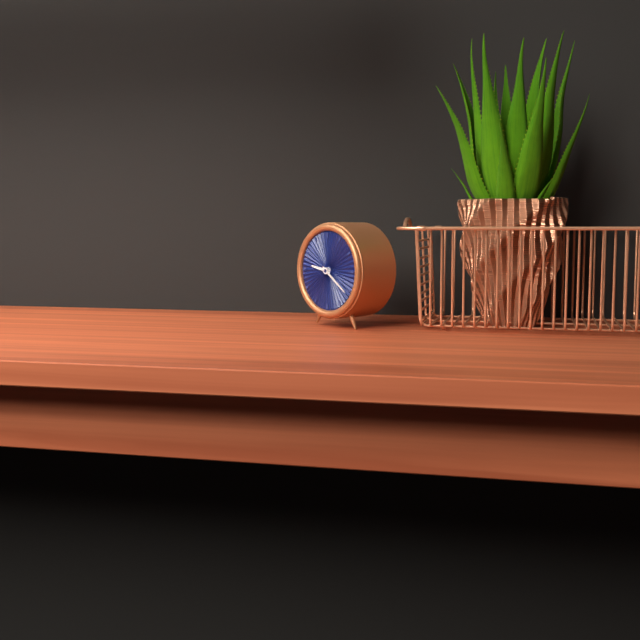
9:21
